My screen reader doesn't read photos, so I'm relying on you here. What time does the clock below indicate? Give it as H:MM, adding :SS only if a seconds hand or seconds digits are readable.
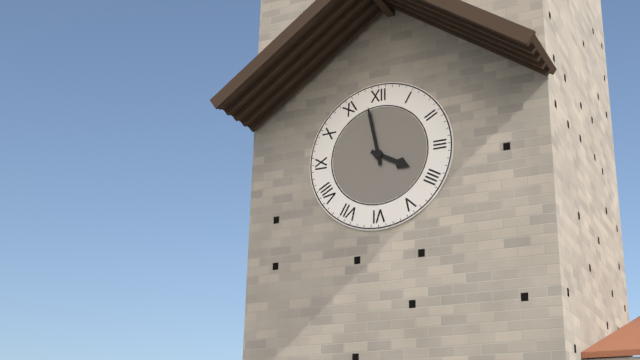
3:58
